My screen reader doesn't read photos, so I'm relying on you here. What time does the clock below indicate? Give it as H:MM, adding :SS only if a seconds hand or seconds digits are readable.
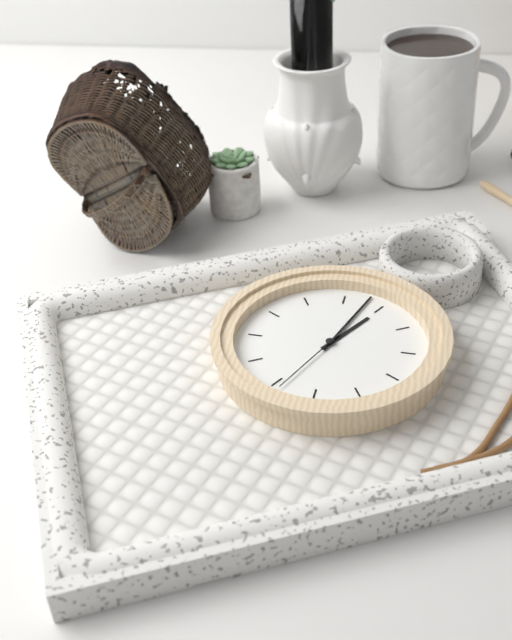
1:03:34
